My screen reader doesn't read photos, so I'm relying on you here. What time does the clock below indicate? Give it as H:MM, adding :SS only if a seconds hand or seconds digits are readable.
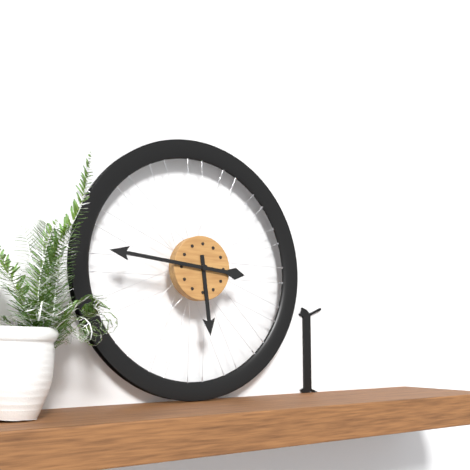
5:46
